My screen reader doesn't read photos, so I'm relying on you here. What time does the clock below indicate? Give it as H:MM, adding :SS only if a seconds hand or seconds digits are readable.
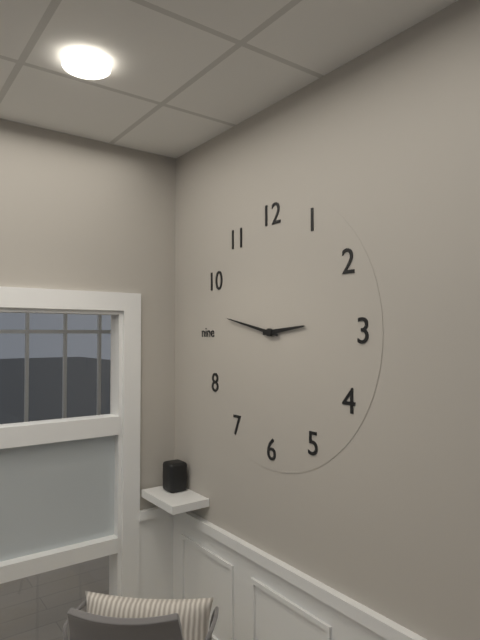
2:47
